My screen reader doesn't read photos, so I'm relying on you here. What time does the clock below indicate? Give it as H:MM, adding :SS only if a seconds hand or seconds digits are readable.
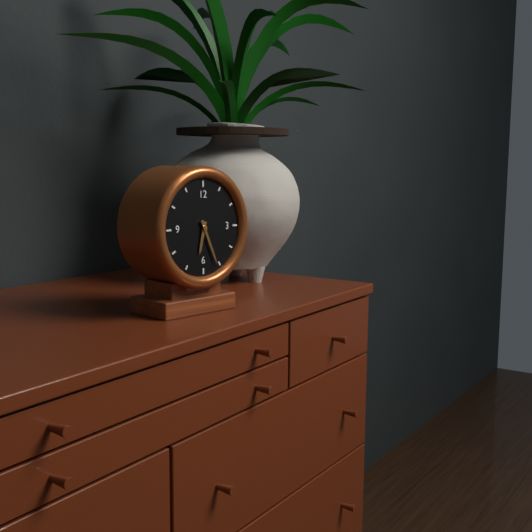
6:26
